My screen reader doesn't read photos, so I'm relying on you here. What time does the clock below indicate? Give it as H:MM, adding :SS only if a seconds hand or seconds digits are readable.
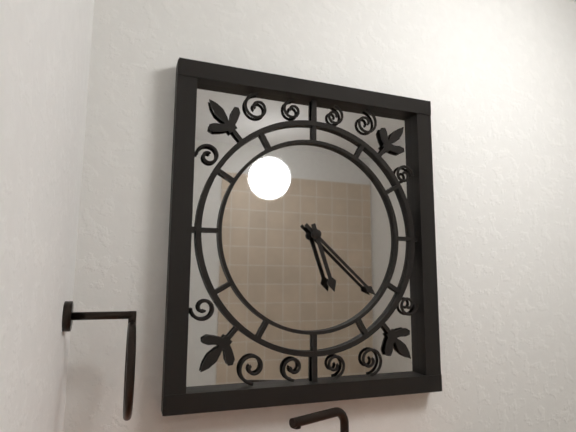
5:22
